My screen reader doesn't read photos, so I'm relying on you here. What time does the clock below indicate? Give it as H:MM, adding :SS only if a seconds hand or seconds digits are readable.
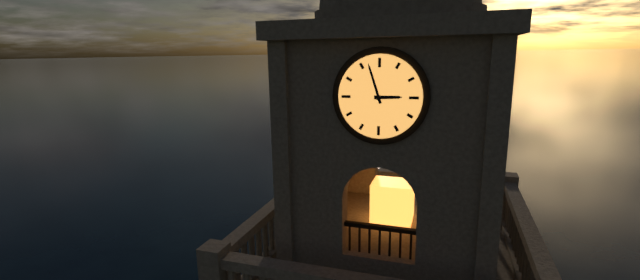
2:57
